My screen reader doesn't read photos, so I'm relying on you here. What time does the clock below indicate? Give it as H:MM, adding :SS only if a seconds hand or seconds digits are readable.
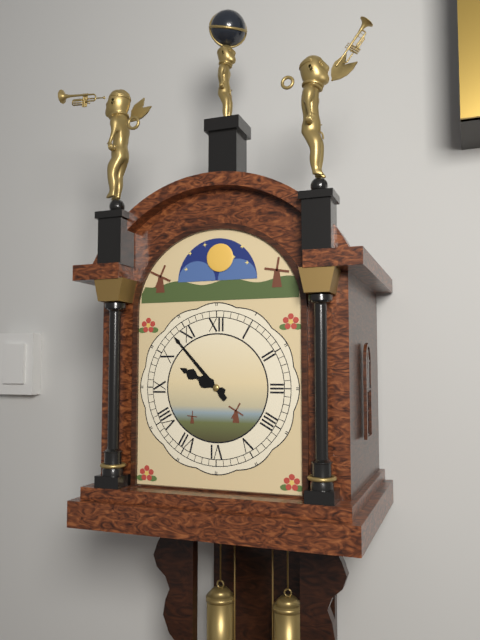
9:53
